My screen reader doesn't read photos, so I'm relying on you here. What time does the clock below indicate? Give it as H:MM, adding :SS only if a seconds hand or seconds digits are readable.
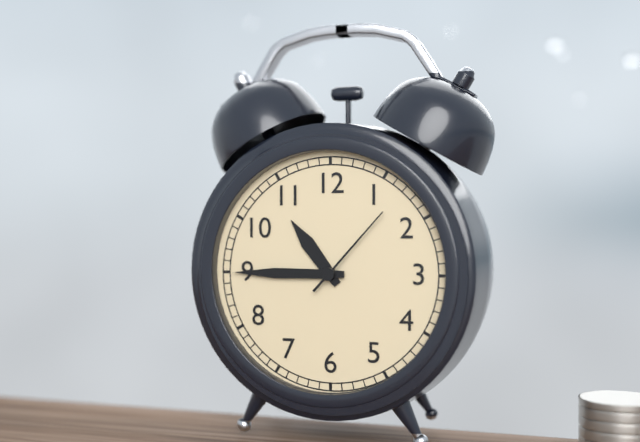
10:45:07
